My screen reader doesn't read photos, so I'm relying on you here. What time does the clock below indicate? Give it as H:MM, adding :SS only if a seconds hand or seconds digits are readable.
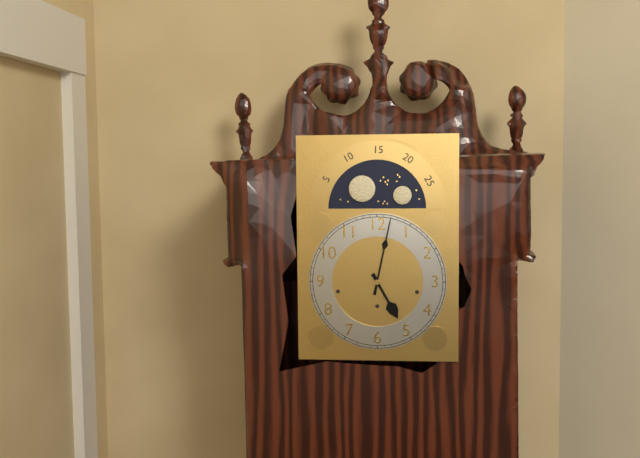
5:02
